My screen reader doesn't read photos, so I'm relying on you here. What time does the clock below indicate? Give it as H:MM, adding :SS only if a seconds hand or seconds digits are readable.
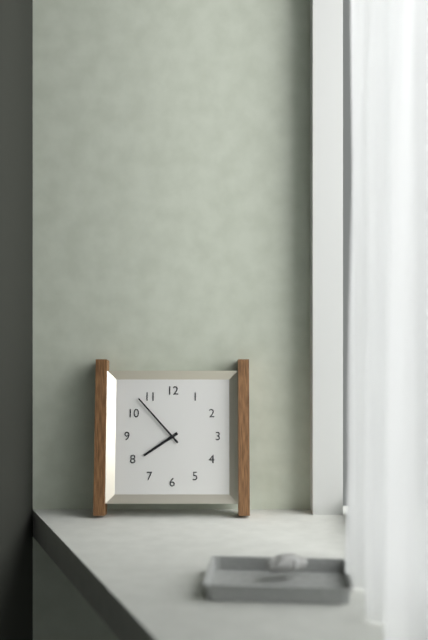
7:53
